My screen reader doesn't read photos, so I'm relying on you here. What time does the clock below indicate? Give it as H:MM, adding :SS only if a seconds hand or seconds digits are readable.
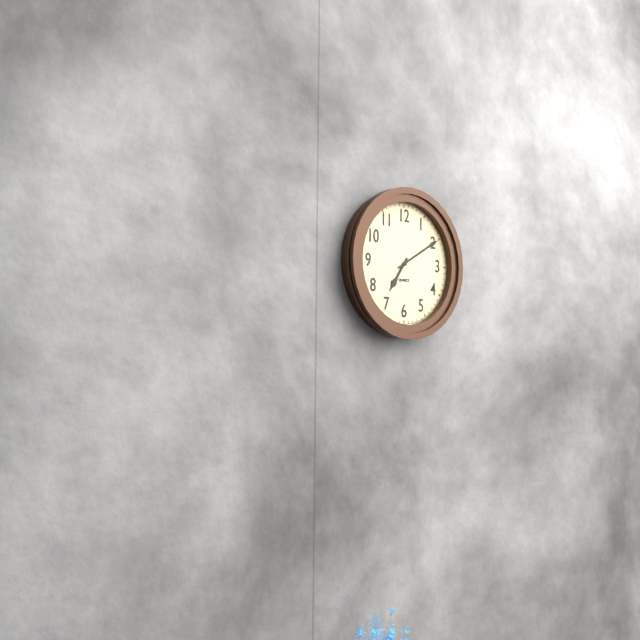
7:10
